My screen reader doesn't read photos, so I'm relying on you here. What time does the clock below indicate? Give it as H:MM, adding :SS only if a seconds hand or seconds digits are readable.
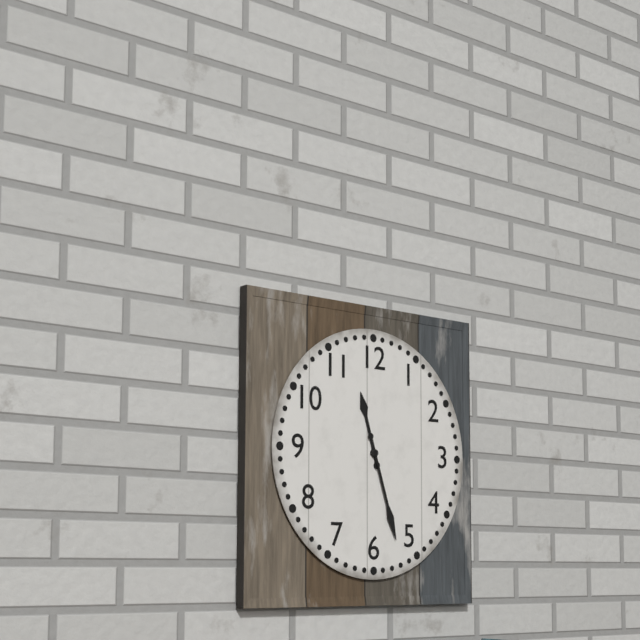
11:27
